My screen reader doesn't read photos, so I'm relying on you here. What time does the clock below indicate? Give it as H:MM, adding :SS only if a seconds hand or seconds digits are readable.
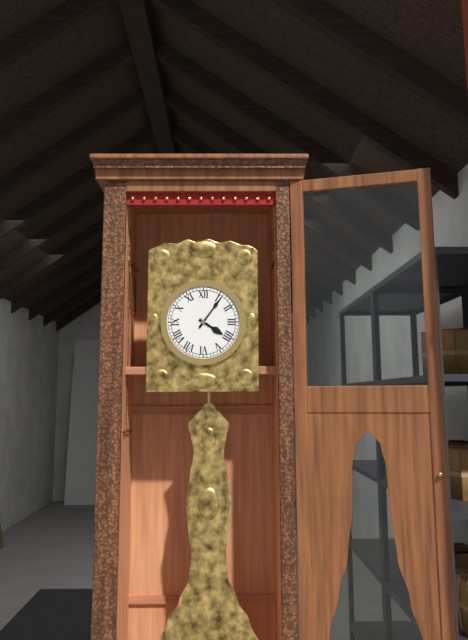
4:06
